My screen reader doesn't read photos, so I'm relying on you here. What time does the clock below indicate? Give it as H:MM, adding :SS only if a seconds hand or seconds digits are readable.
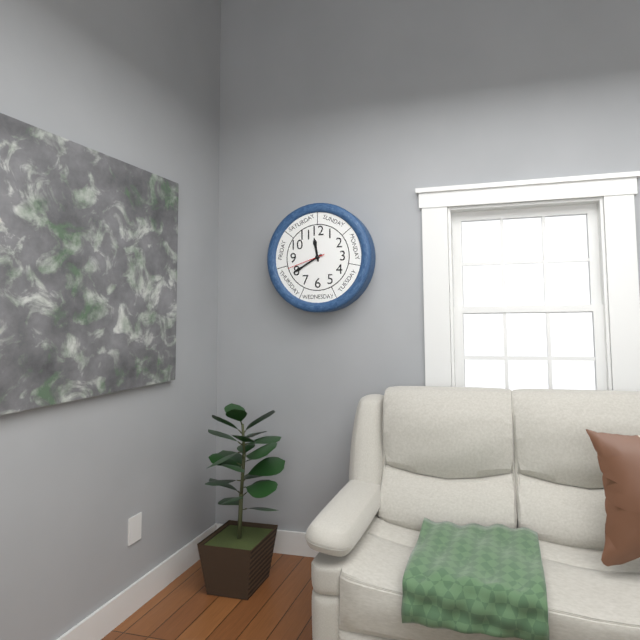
11:40
